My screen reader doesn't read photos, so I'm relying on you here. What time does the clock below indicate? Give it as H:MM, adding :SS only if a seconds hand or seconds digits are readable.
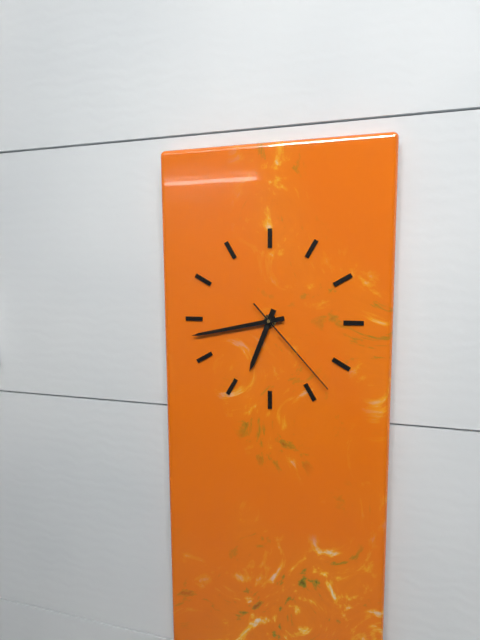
6:43:23
